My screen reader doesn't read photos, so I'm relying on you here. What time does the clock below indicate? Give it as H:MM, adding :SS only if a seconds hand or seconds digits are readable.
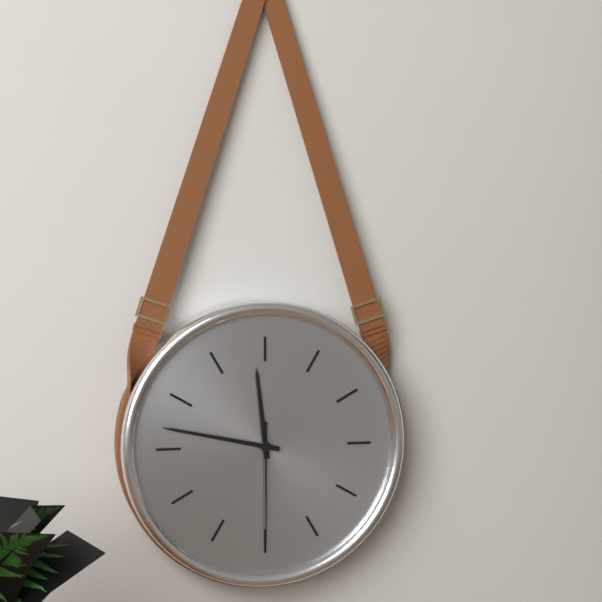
11:47:30
